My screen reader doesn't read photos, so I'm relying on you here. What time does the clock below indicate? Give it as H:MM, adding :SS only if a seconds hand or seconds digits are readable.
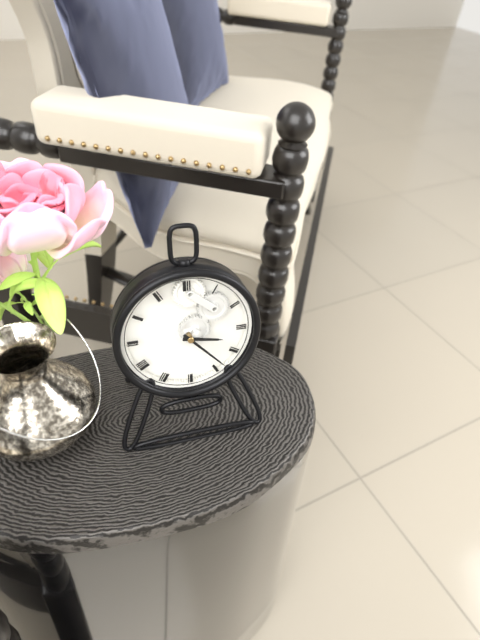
3:23
